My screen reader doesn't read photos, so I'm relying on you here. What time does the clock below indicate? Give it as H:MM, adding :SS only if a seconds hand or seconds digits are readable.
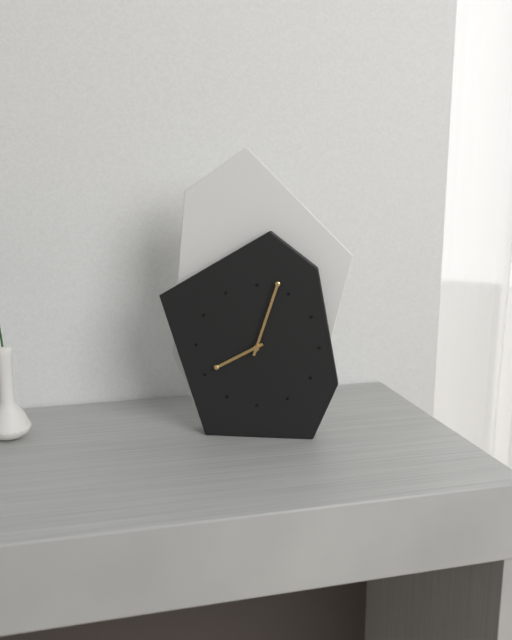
8:03
